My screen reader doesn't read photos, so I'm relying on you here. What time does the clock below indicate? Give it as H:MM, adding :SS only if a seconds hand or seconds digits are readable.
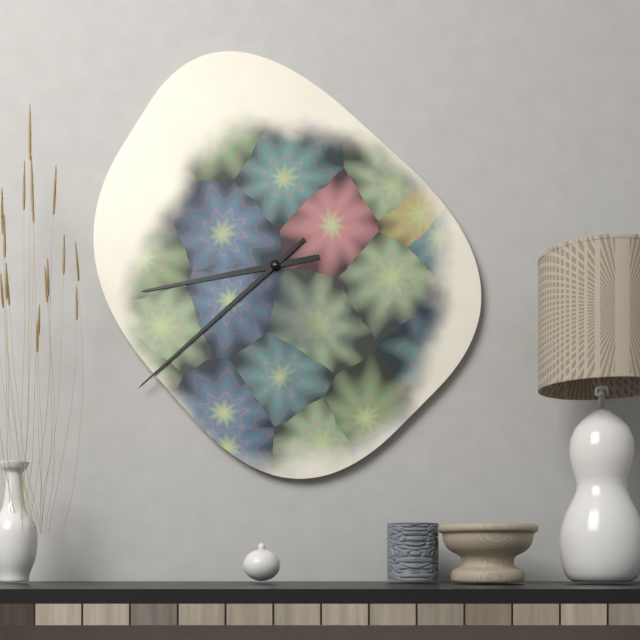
8:38
